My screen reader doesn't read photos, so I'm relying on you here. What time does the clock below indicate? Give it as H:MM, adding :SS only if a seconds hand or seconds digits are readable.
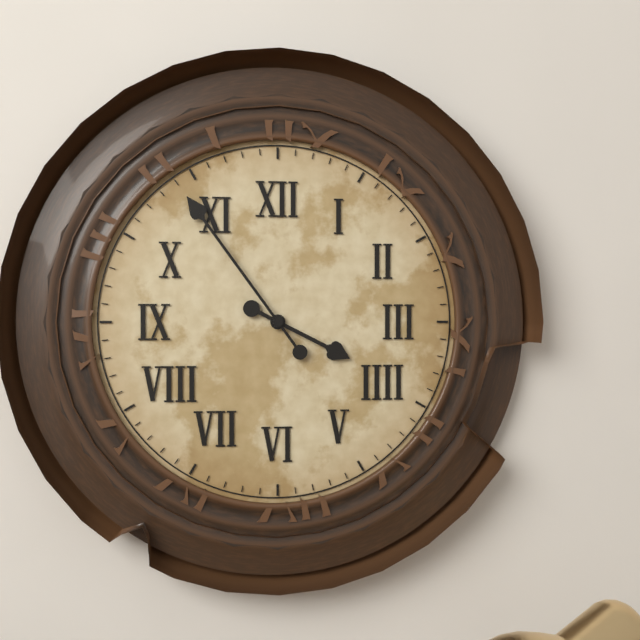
3:54
